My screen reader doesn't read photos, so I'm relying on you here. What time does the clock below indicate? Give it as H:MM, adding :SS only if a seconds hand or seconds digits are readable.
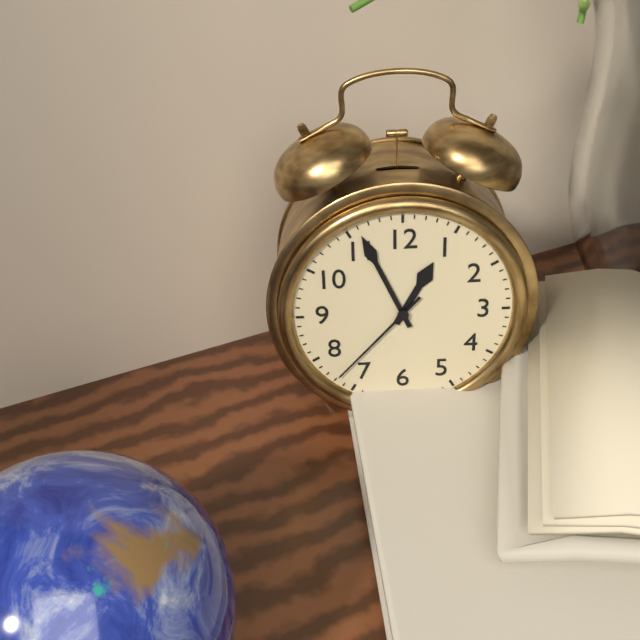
12:56:37
